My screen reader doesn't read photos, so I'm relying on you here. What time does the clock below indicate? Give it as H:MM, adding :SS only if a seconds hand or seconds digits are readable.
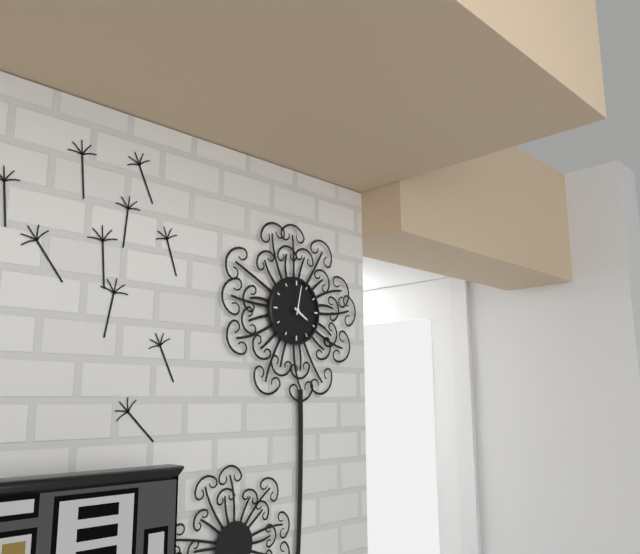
4:02
